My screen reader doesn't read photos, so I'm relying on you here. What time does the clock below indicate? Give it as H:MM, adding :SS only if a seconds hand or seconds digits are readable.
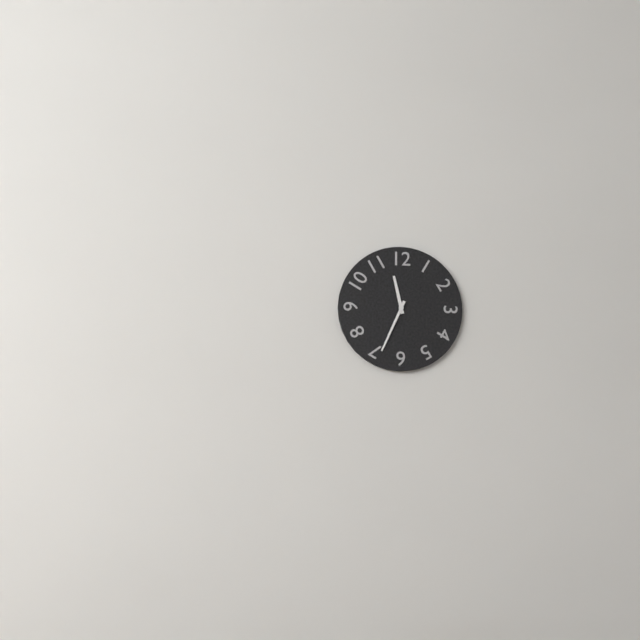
11:34
